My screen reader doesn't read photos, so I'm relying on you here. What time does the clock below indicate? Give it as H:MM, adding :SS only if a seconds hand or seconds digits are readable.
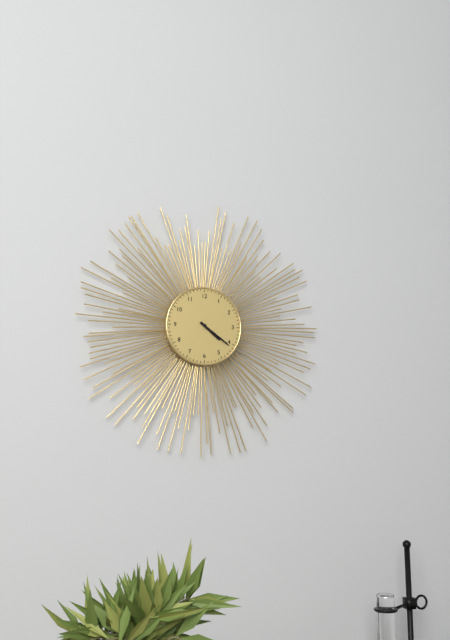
4:21
